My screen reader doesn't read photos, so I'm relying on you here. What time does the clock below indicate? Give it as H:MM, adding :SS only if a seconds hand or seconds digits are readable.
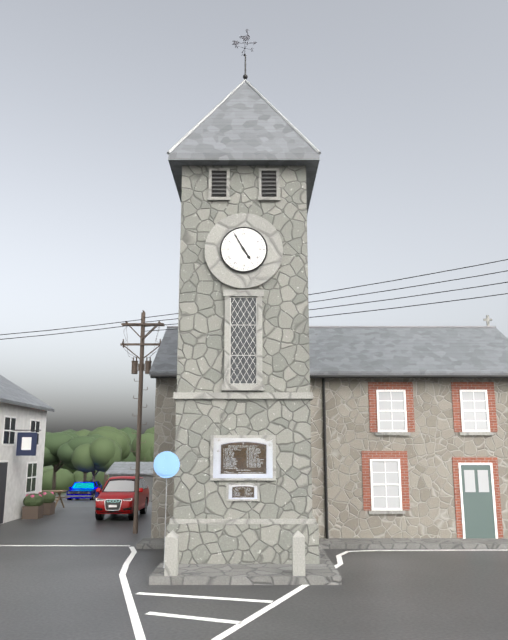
4:55
